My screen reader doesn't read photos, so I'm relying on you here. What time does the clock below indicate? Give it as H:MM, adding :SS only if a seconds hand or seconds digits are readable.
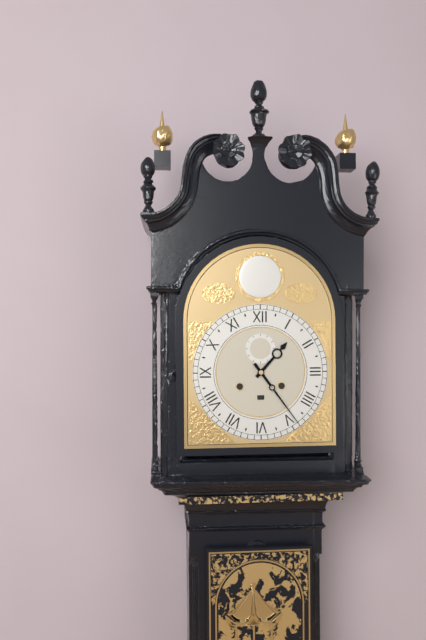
1:24
